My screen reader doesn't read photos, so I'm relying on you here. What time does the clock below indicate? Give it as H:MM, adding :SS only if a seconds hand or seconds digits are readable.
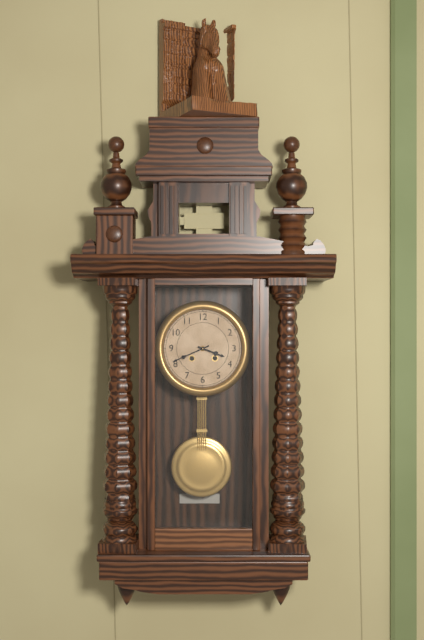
3:41
